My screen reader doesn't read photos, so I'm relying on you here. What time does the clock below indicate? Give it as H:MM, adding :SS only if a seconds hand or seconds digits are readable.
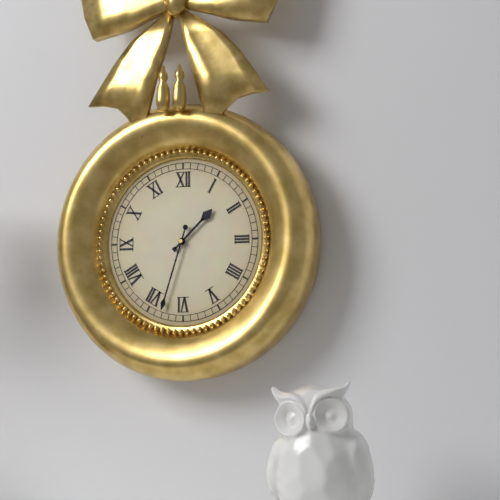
1:33
